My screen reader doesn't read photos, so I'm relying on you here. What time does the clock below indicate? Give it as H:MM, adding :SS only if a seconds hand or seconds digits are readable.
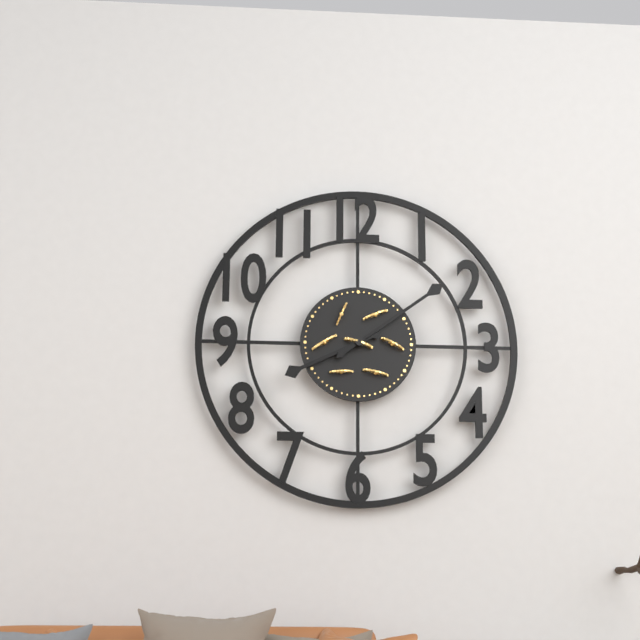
8:09
